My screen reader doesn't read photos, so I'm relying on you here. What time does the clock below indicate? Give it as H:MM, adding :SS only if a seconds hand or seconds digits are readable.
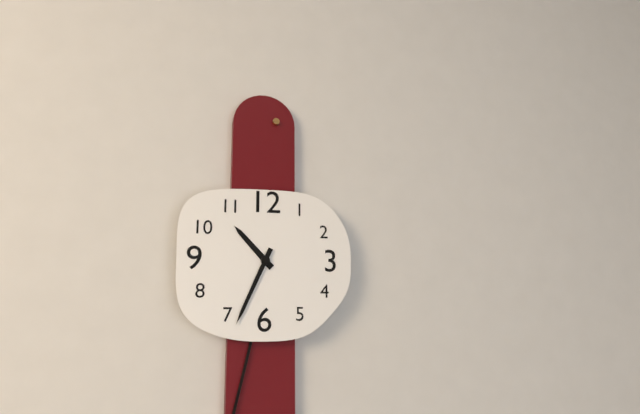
10:34
